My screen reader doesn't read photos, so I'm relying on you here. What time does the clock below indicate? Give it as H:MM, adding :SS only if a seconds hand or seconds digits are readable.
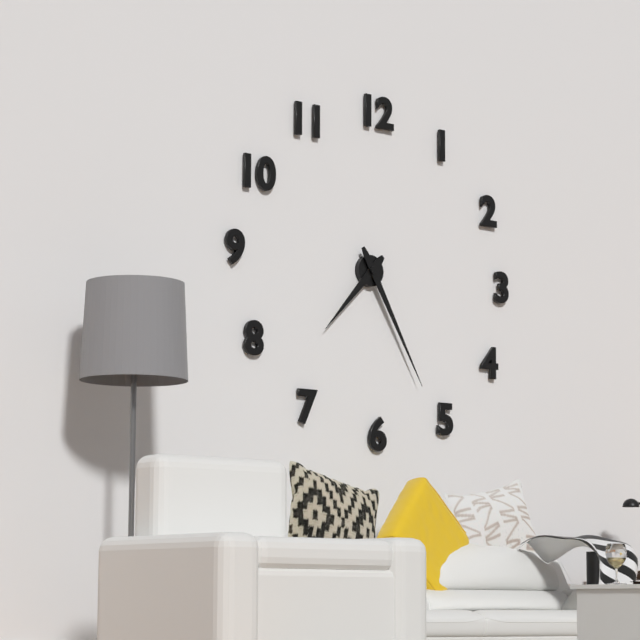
7:25
